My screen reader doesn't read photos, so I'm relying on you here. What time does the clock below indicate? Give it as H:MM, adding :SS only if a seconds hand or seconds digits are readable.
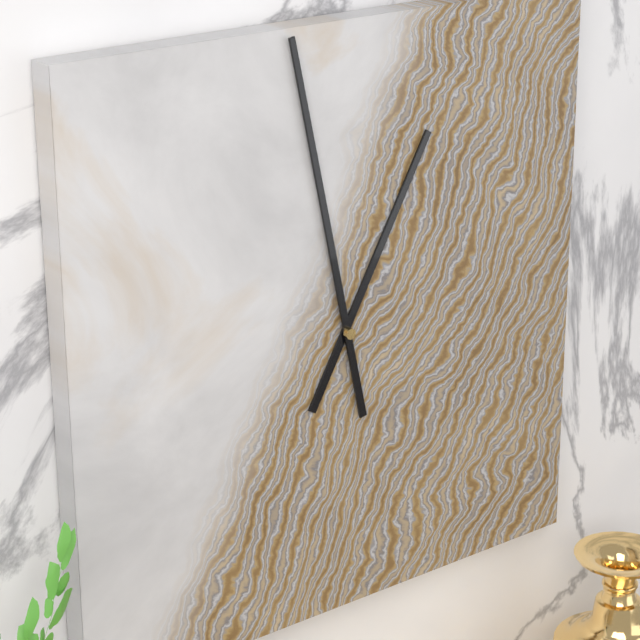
12:58
